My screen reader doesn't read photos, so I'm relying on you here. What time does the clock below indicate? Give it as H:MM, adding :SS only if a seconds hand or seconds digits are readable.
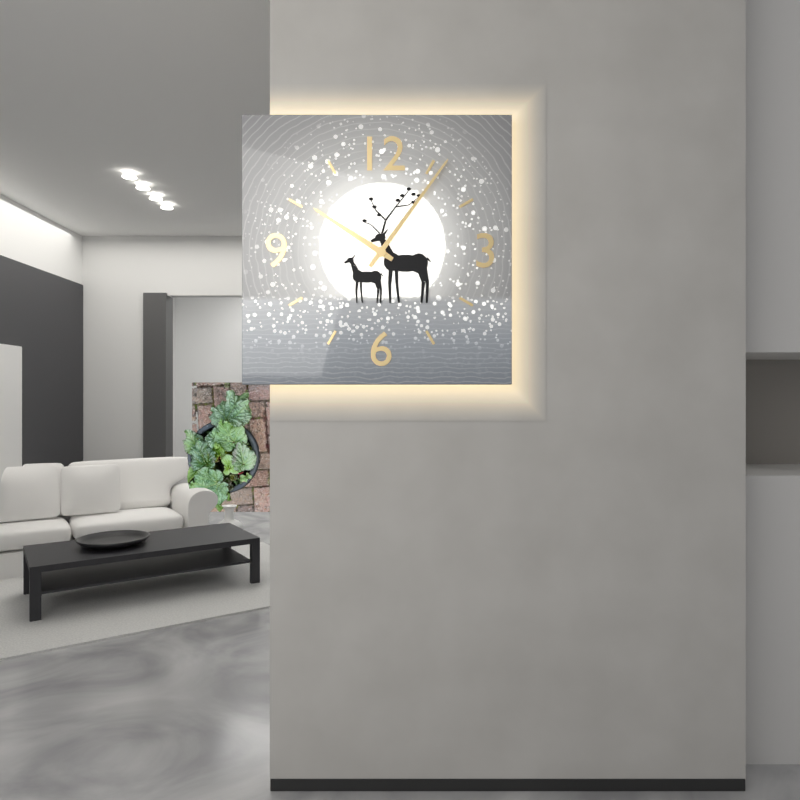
10:06
